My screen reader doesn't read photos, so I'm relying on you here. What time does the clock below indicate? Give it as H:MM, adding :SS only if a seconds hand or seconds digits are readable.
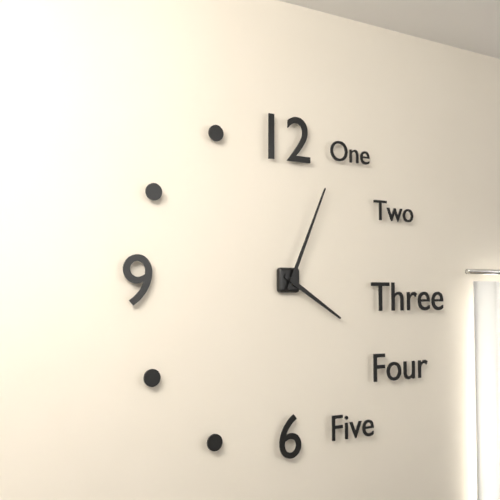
4:04
